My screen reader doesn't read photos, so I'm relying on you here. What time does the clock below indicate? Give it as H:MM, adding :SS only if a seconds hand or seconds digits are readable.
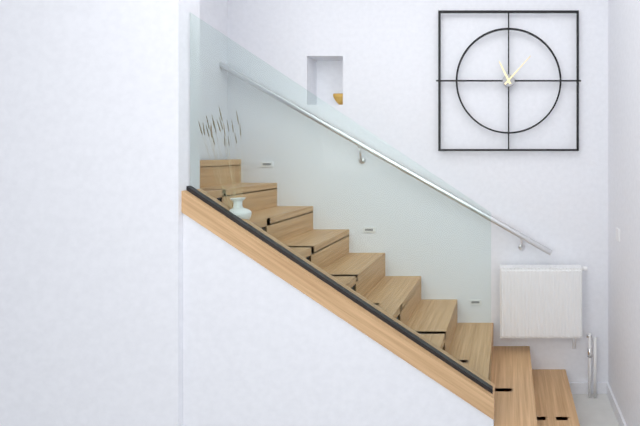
11:07
